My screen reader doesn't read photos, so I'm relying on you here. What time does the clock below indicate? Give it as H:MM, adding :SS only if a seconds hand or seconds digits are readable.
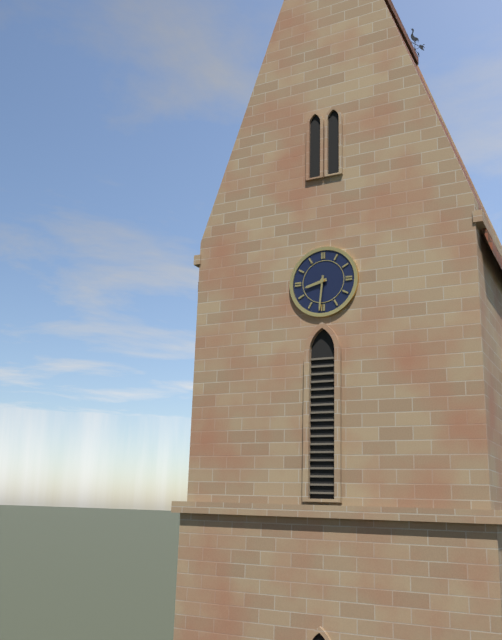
8:31
